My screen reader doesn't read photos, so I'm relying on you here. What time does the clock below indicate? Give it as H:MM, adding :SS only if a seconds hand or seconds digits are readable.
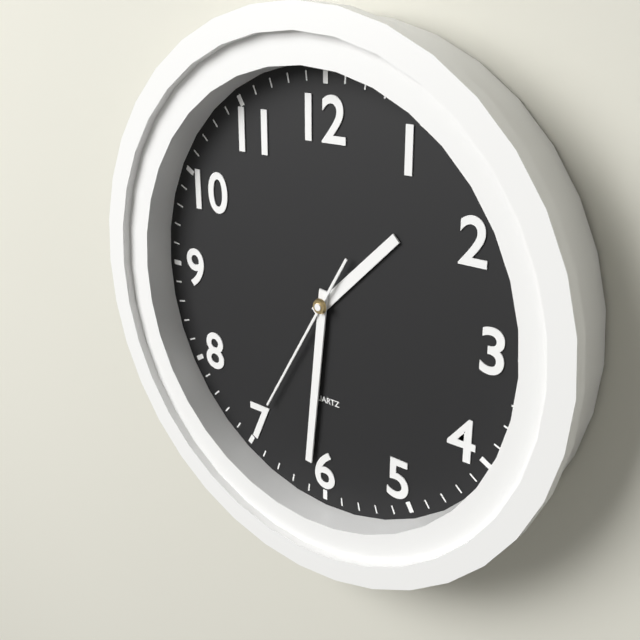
1:31:35
